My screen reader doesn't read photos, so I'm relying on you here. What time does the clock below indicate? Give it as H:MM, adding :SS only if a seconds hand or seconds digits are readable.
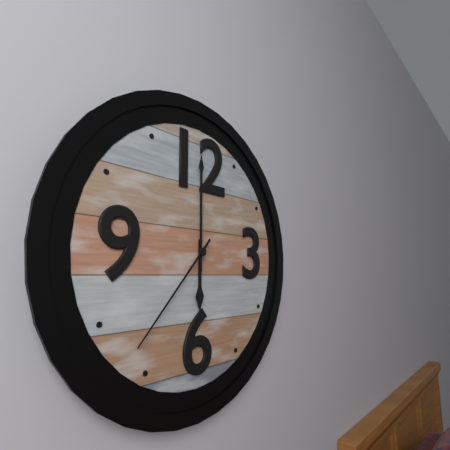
6:00:37
